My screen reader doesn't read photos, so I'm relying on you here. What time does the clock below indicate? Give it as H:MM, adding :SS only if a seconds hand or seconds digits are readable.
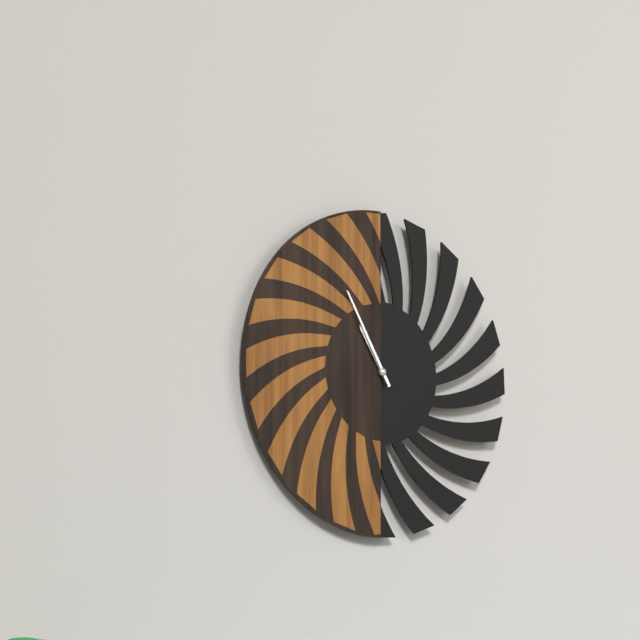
10:55
